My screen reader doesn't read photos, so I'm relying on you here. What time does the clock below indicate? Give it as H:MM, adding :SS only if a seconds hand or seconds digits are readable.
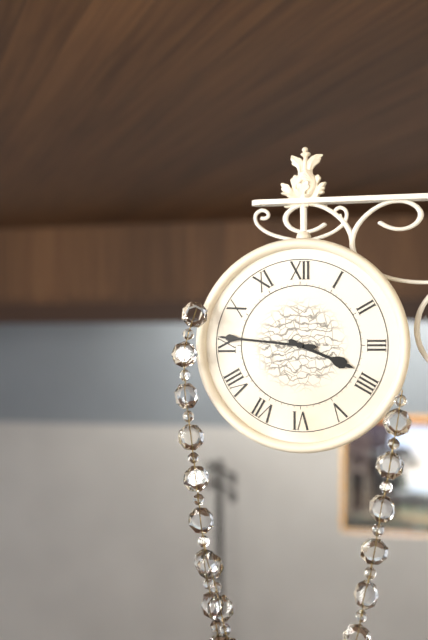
3:46
